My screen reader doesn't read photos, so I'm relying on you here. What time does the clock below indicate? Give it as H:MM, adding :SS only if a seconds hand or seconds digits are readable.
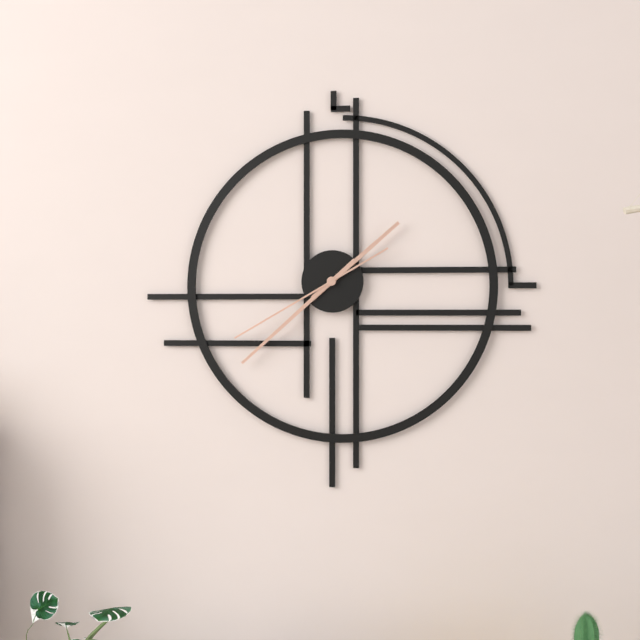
1:38:40
